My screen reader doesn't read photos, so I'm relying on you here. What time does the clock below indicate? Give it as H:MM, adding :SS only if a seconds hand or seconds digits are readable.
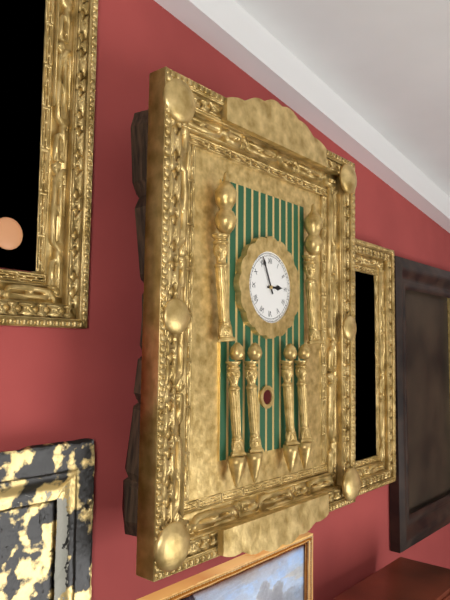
2:56
